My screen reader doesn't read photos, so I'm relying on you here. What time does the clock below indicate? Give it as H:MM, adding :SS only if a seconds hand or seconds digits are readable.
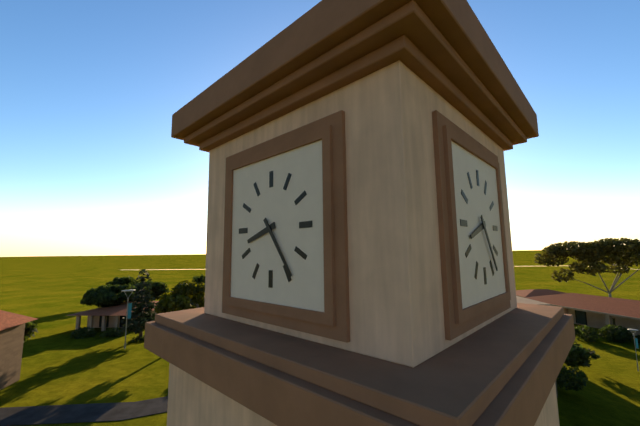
8:24
